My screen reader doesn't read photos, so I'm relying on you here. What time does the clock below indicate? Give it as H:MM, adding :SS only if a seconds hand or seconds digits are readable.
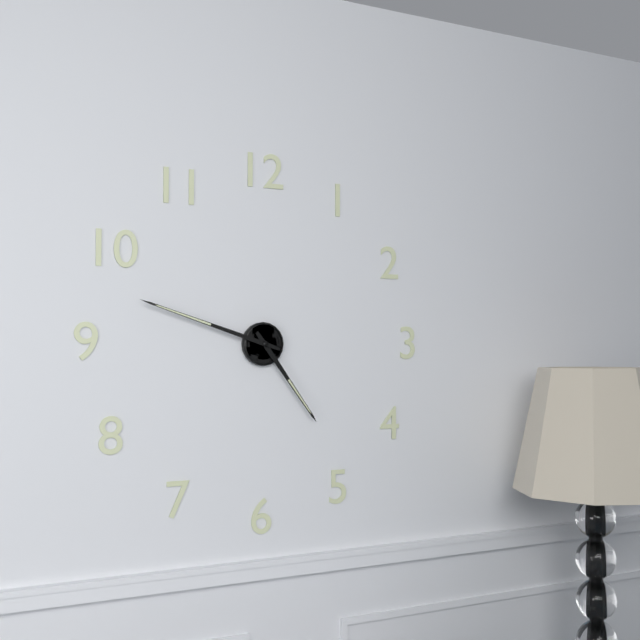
4:48
